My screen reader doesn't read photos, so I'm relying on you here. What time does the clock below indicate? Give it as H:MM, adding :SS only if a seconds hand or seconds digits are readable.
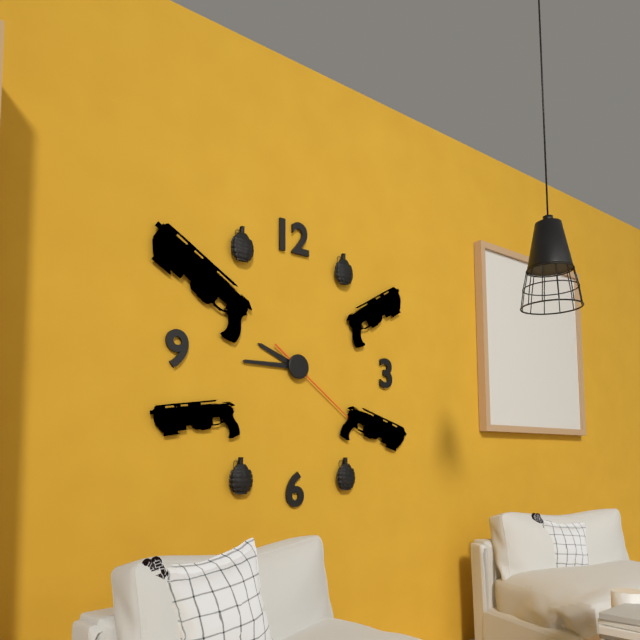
9:45:21
